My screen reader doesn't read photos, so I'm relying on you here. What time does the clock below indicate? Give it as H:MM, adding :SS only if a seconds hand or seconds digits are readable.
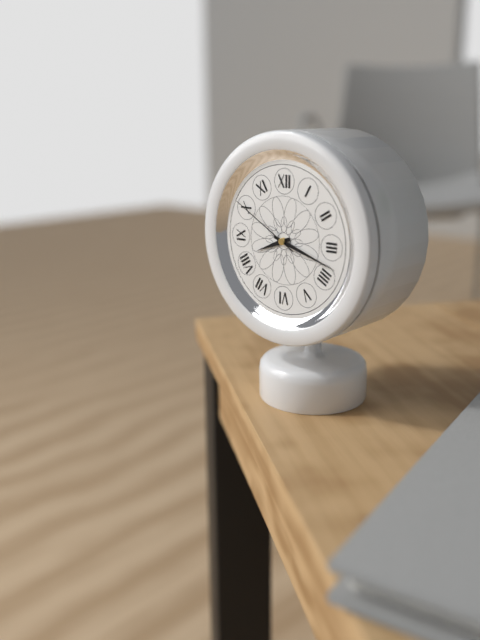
8:18:50
